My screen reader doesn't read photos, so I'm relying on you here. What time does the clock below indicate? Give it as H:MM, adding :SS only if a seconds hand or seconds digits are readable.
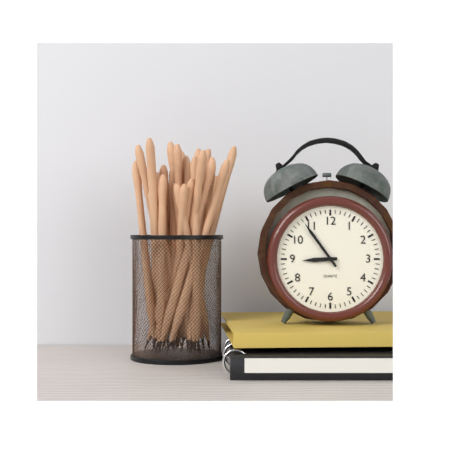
8:54
